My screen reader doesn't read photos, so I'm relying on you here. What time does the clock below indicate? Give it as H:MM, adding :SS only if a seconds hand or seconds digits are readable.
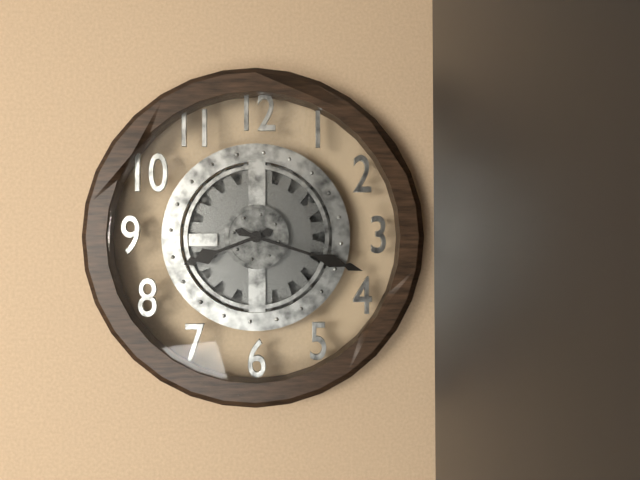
8:18
